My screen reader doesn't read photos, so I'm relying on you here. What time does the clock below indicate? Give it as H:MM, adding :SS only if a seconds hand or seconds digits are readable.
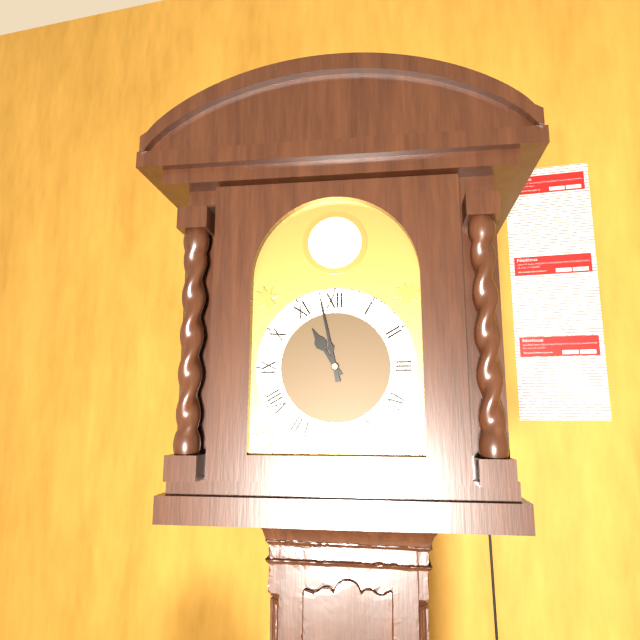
10:58
